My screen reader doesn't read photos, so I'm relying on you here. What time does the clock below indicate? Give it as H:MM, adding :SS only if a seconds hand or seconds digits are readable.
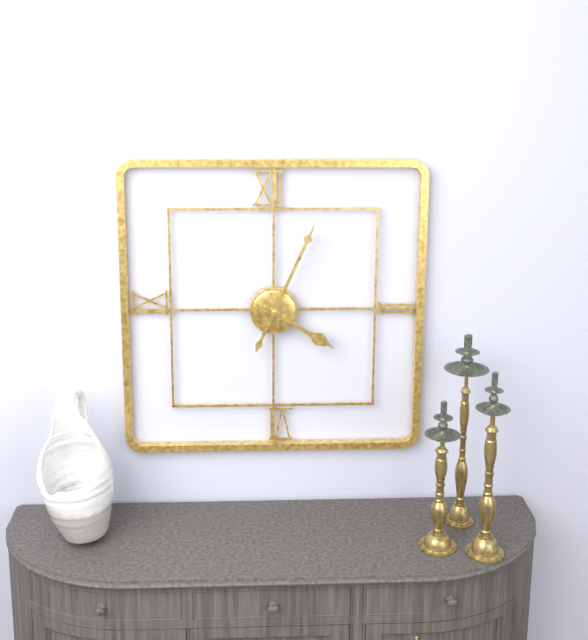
4:04
